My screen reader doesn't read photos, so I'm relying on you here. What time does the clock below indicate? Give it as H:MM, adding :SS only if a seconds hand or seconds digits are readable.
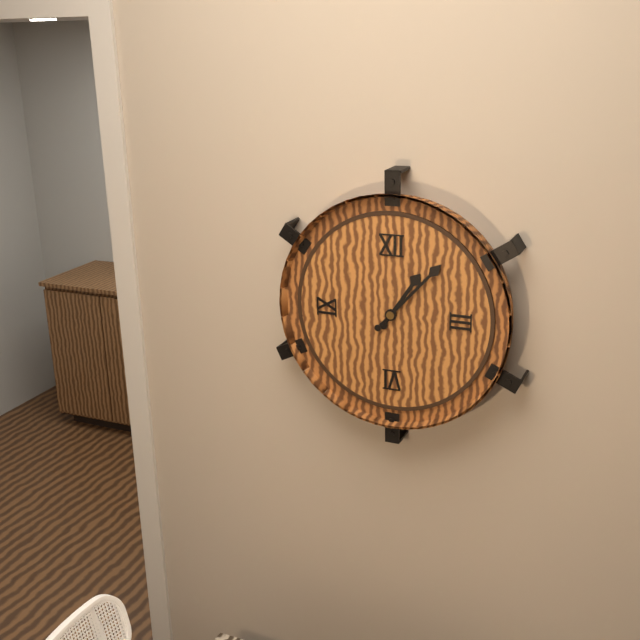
1:07
